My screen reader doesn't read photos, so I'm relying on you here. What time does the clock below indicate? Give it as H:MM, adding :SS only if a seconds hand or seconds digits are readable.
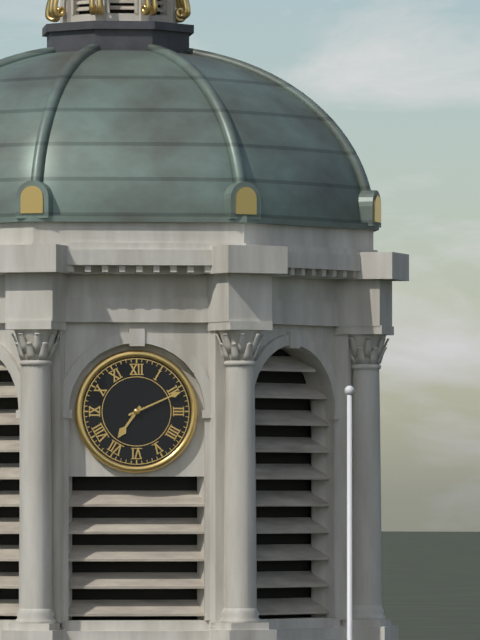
7:11
